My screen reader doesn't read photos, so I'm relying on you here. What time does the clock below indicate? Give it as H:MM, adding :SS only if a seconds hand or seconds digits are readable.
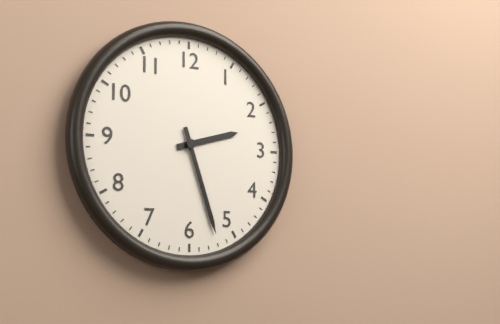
2:27
